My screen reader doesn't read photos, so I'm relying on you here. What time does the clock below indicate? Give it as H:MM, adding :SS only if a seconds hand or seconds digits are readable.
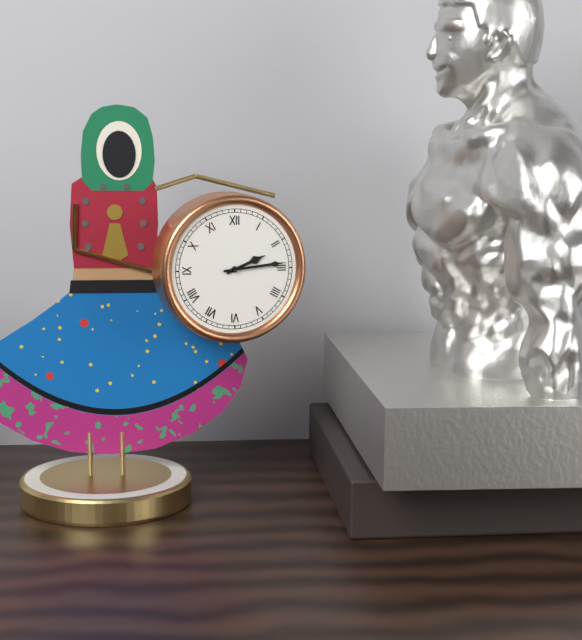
2:14
